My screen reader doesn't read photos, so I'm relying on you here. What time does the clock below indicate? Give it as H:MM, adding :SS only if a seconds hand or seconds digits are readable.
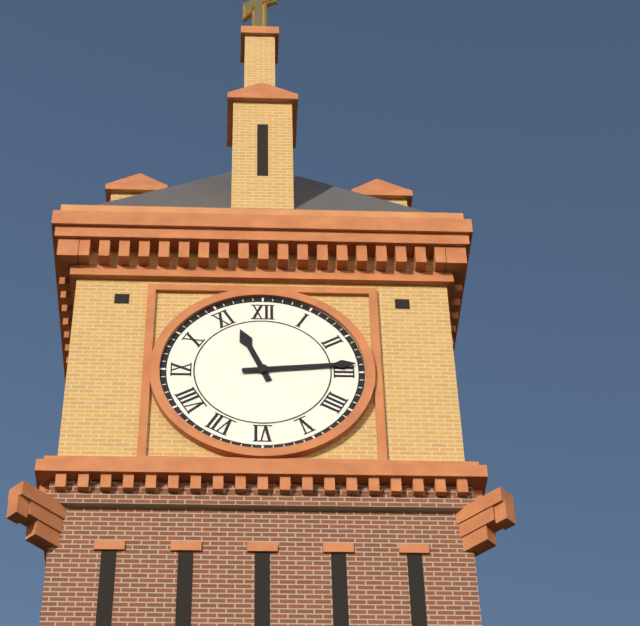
11:14
